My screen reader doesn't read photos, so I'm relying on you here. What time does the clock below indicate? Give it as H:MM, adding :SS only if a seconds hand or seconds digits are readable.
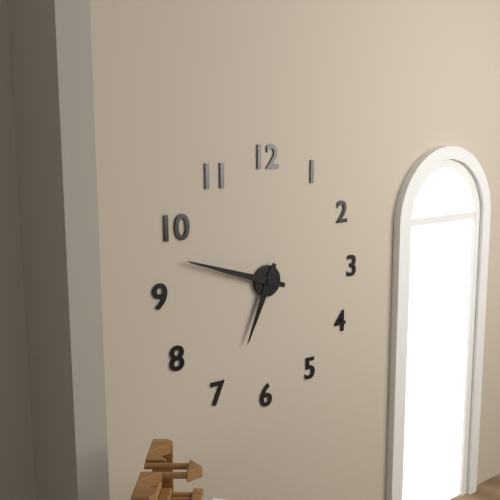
6:48
